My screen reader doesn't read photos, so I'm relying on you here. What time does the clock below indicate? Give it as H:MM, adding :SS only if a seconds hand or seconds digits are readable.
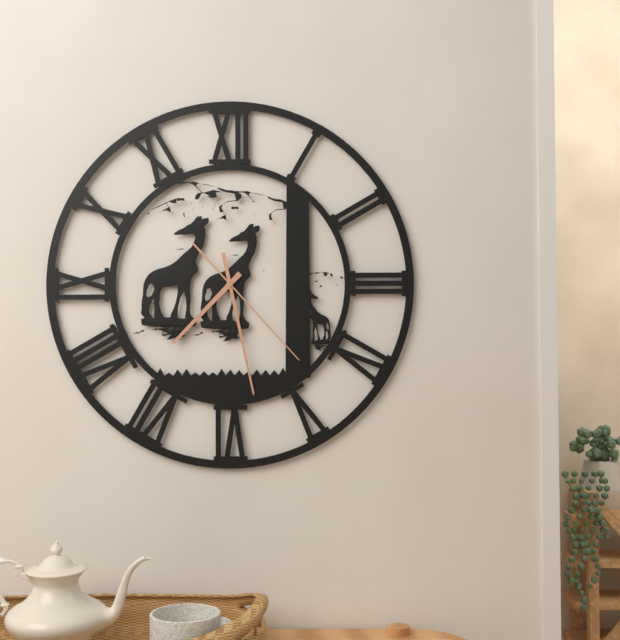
7:28:23
